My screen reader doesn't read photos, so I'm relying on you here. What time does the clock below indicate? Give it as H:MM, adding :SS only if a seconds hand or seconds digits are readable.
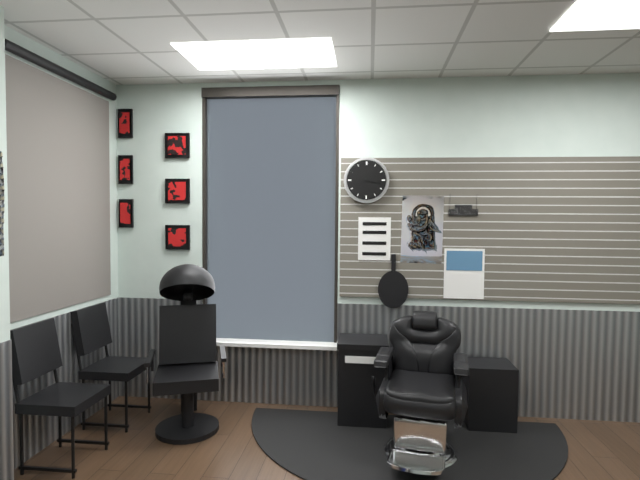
5:17
